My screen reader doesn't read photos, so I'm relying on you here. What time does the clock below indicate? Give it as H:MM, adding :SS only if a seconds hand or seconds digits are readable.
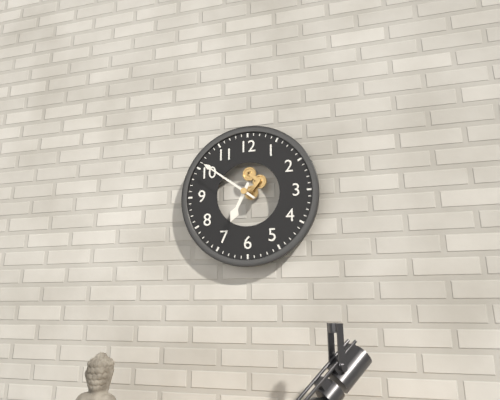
6:51
